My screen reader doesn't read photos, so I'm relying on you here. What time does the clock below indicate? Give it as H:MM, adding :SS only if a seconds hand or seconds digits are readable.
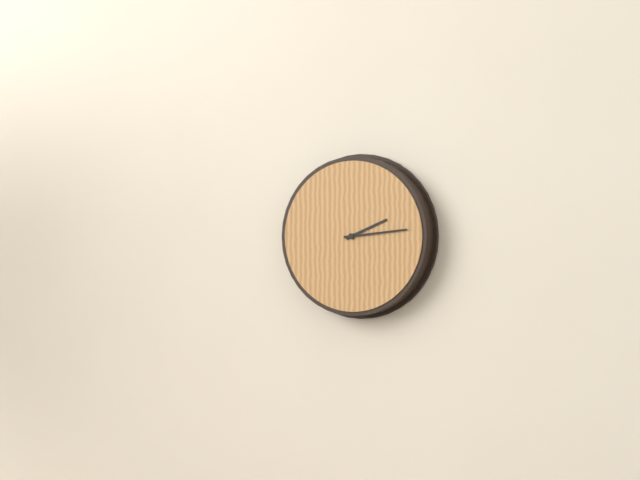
2:14
